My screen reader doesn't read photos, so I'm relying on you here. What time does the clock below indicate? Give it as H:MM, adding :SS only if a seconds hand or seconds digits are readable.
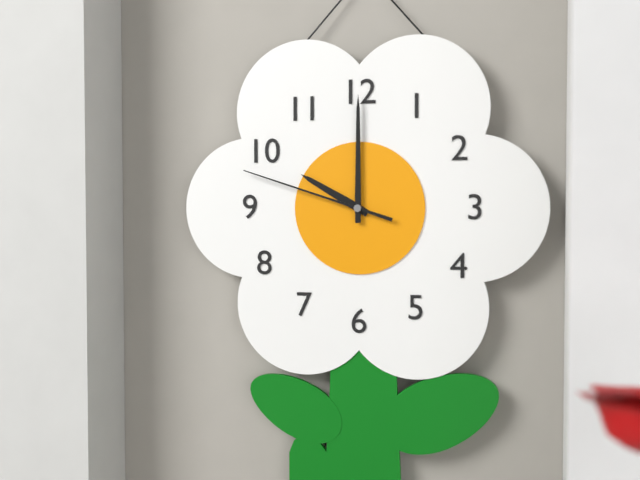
10:00:48
